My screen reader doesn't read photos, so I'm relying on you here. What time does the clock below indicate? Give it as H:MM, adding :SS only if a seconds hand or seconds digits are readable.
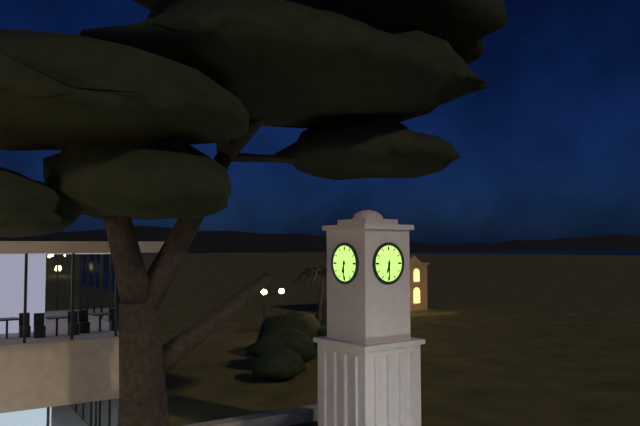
6:30
